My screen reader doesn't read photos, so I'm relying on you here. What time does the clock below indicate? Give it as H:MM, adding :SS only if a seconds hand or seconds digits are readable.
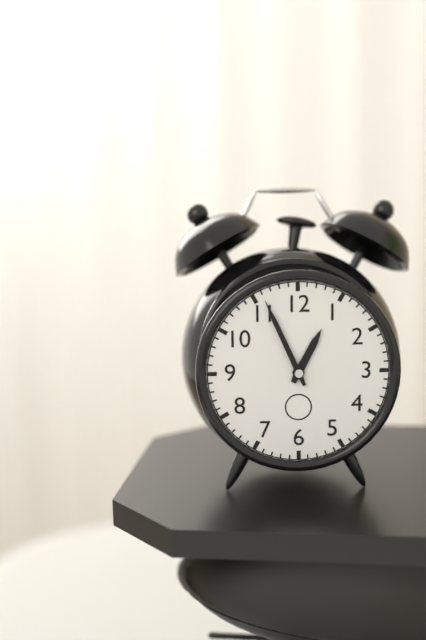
12:56
